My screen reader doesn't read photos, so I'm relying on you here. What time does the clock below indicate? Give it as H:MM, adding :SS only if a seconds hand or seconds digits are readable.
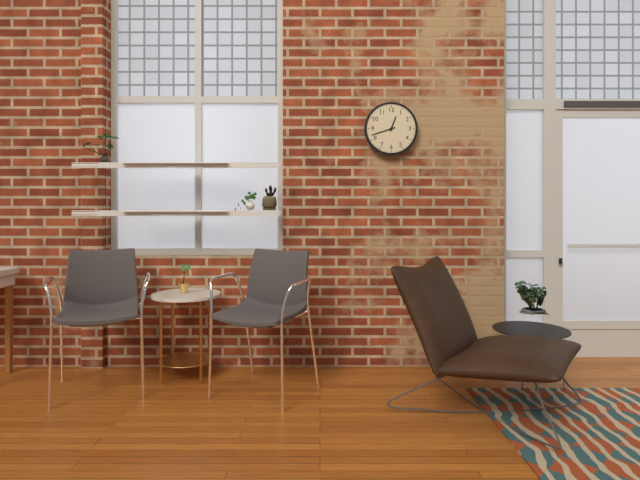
12:42
